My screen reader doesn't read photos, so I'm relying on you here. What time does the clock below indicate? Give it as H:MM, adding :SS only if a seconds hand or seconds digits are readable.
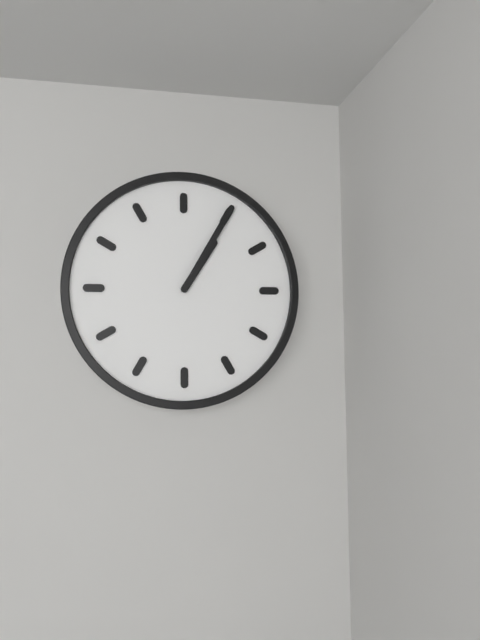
1:05
